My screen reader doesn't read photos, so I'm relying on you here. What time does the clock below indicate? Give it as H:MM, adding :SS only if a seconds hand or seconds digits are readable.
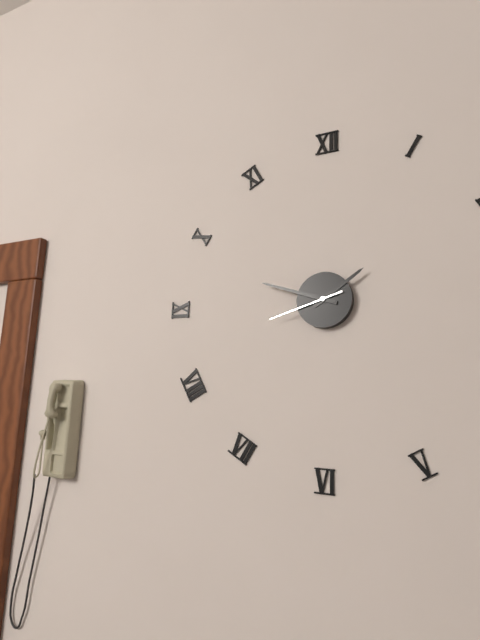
1:48:42
